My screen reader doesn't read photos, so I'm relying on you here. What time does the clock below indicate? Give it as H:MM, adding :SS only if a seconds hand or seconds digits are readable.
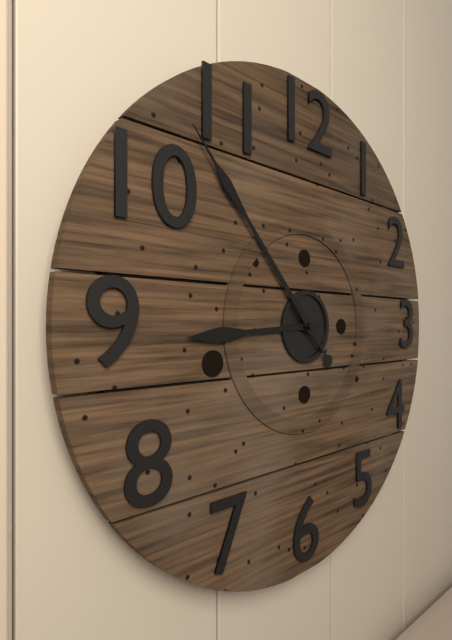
8:53
